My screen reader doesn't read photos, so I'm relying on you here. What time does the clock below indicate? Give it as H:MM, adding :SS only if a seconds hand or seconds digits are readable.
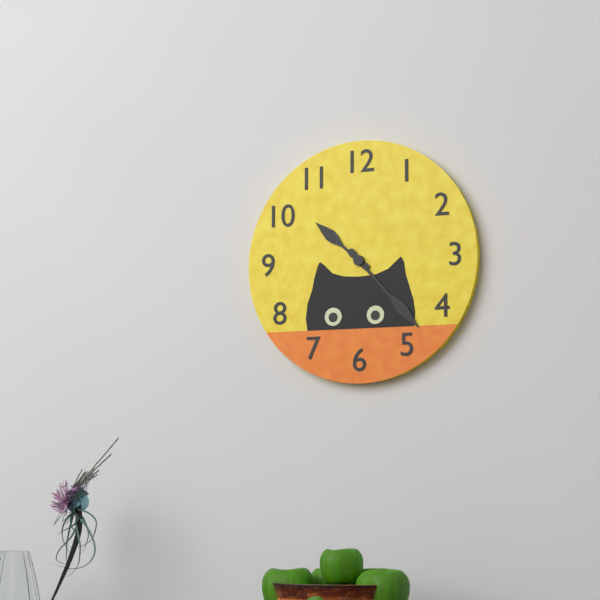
10:23
